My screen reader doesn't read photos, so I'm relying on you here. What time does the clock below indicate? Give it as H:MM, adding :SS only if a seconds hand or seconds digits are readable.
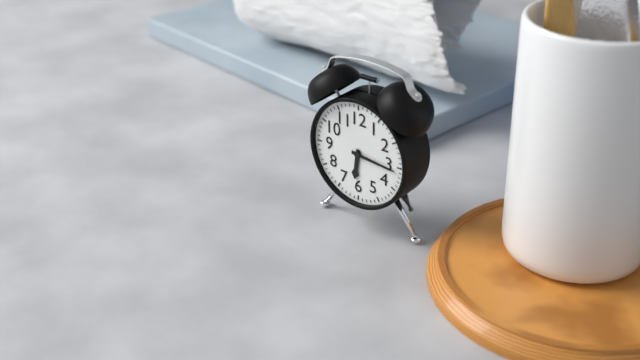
6:16
